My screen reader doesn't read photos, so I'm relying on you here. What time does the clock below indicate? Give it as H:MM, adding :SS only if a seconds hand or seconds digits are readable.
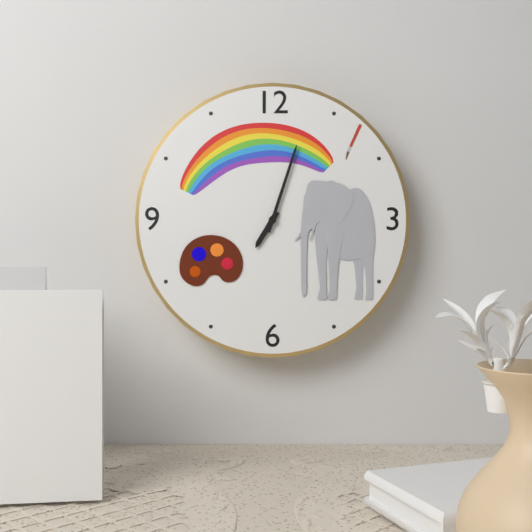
7:03
